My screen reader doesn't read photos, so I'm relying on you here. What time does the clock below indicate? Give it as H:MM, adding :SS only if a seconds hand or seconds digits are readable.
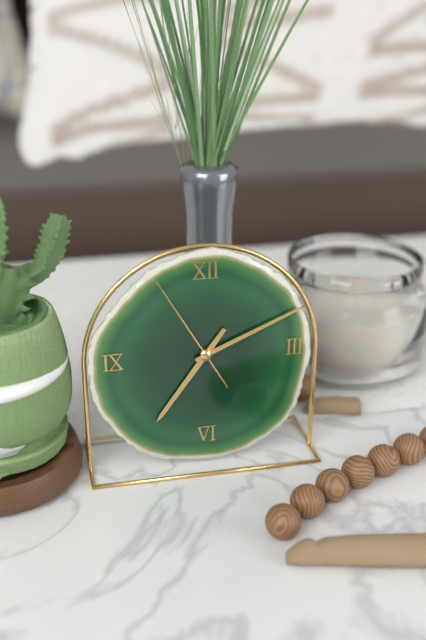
7:11:55
